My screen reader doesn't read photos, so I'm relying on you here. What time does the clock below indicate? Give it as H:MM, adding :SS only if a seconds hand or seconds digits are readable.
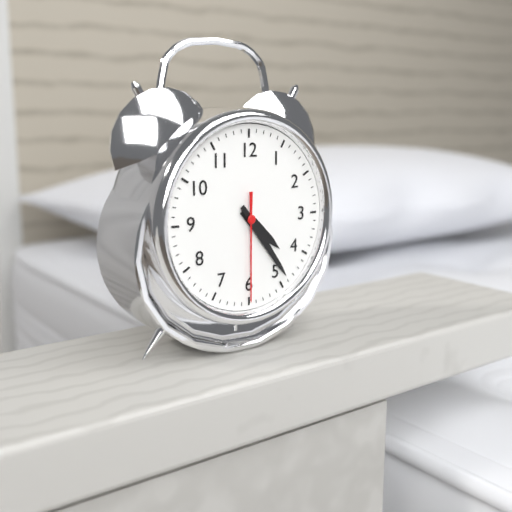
4:24:30
